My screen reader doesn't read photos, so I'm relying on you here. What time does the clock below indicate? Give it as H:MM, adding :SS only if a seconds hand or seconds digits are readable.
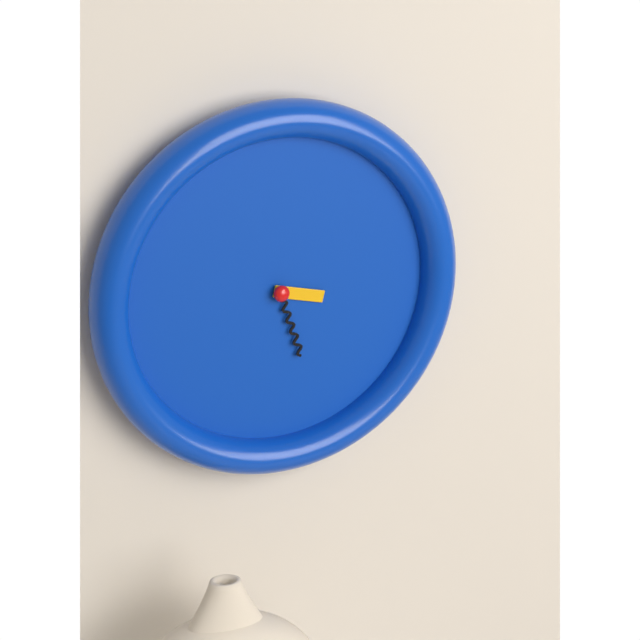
3:27
